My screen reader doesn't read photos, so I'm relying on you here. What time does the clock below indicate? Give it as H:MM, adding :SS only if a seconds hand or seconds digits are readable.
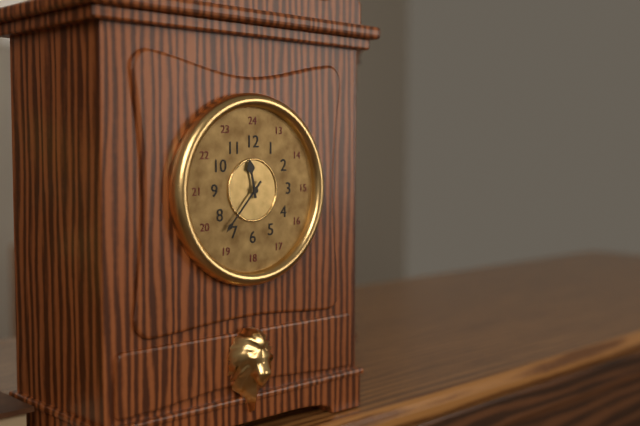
11:37
